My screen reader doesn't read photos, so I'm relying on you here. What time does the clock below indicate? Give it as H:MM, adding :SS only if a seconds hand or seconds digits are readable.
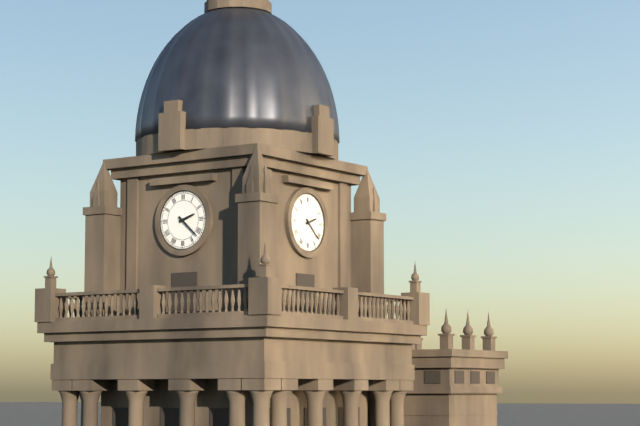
2:22
